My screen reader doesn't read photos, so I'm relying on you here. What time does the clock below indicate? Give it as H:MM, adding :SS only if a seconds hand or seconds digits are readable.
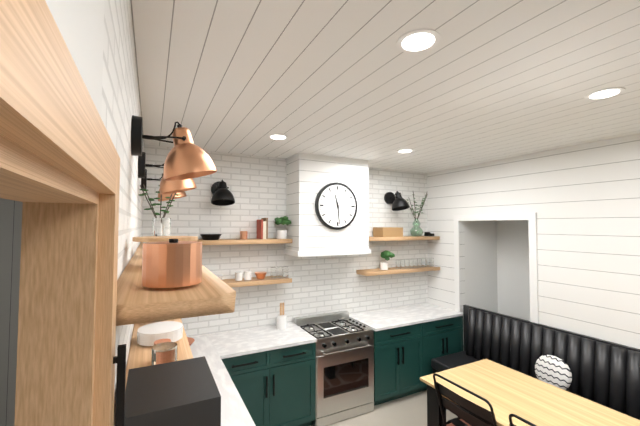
11:29
